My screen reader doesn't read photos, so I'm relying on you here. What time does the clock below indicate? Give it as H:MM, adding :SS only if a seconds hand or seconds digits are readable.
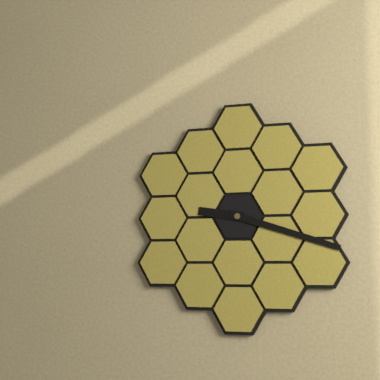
9:18
